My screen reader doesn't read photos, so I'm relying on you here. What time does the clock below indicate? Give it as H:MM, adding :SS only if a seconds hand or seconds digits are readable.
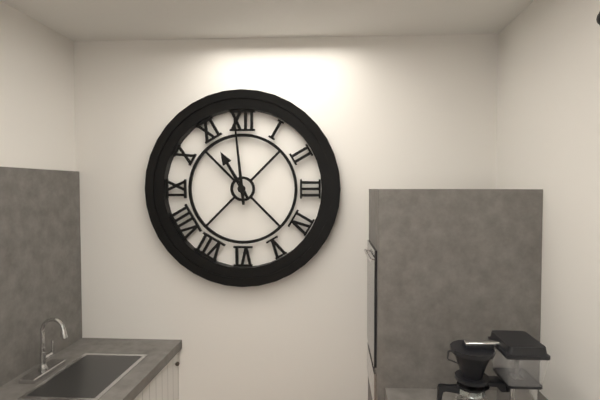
10:59
